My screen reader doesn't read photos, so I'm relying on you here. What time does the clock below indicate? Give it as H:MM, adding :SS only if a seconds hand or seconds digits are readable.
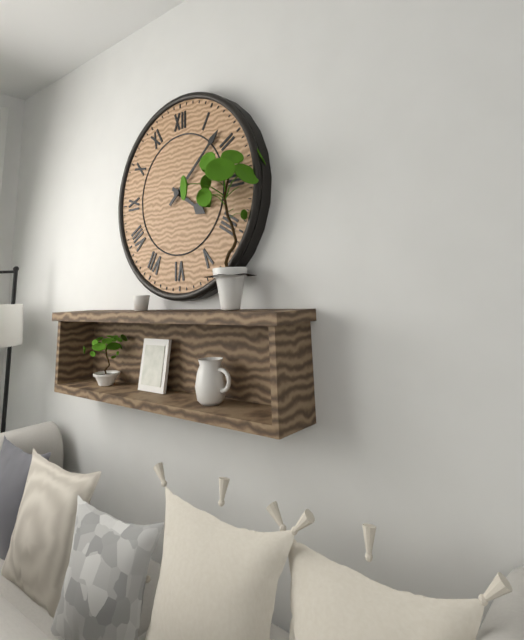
4:08
